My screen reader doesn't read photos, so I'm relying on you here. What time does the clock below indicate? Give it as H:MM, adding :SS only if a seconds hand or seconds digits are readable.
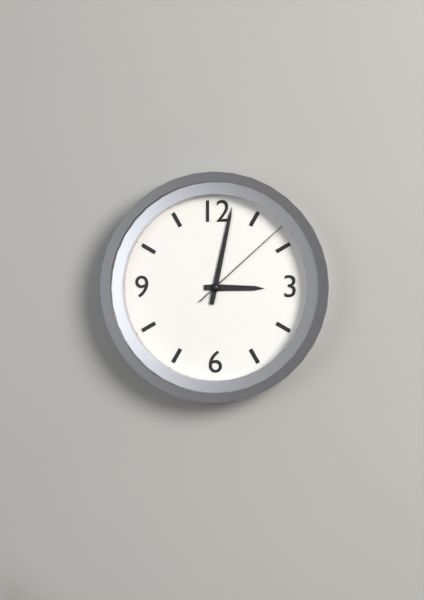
3:02:08
